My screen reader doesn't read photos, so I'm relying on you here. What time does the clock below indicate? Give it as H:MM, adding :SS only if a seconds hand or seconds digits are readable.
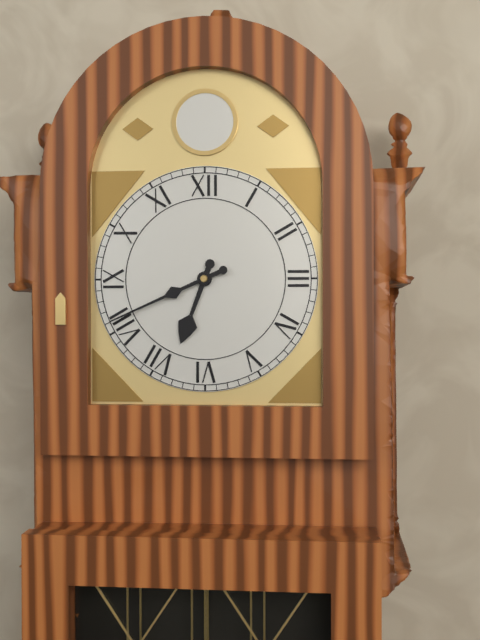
6:41
